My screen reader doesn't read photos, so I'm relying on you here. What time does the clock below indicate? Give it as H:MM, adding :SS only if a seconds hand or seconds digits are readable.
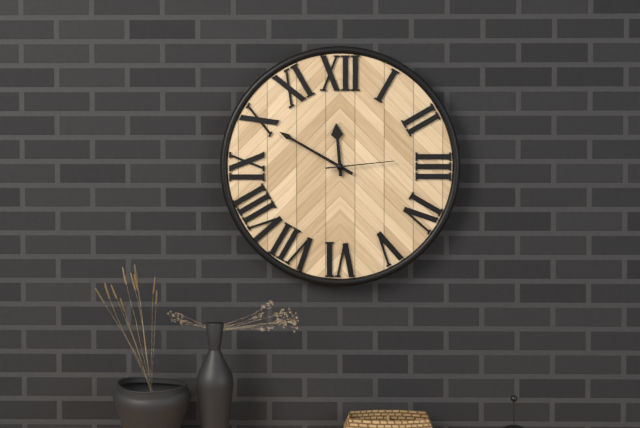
11:50:14
